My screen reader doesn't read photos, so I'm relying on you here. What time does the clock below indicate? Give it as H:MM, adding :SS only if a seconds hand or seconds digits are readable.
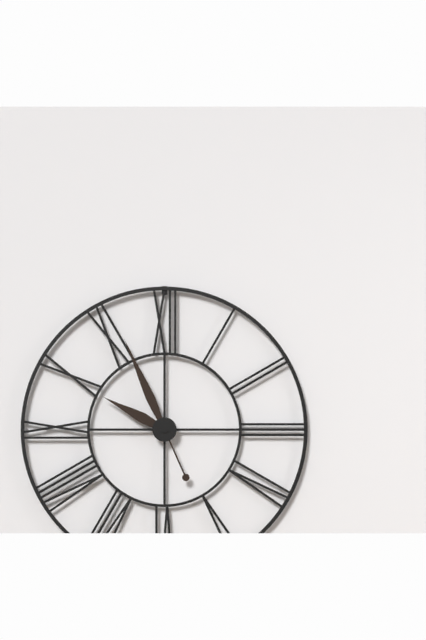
9:56
